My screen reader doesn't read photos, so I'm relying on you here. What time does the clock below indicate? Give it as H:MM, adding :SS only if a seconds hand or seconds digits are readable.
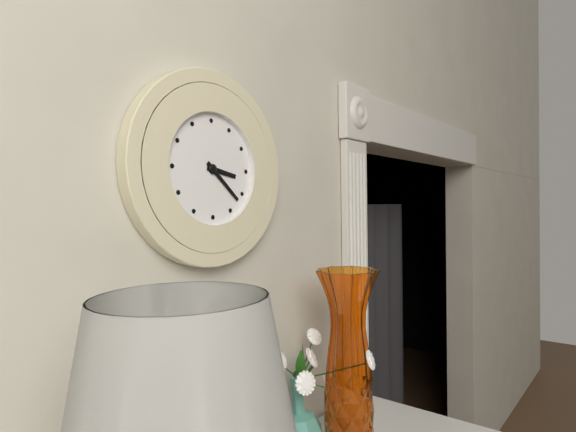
3:22
